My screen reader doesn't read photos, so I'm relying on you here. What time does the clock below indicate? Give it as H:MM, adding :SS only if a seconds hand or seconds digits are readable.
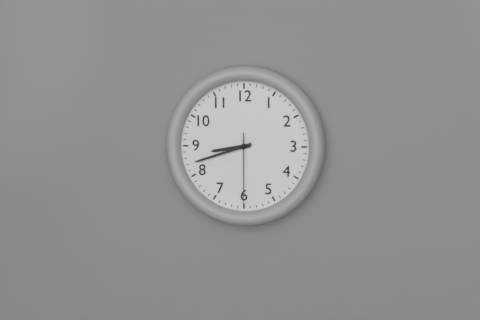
8:42:30
